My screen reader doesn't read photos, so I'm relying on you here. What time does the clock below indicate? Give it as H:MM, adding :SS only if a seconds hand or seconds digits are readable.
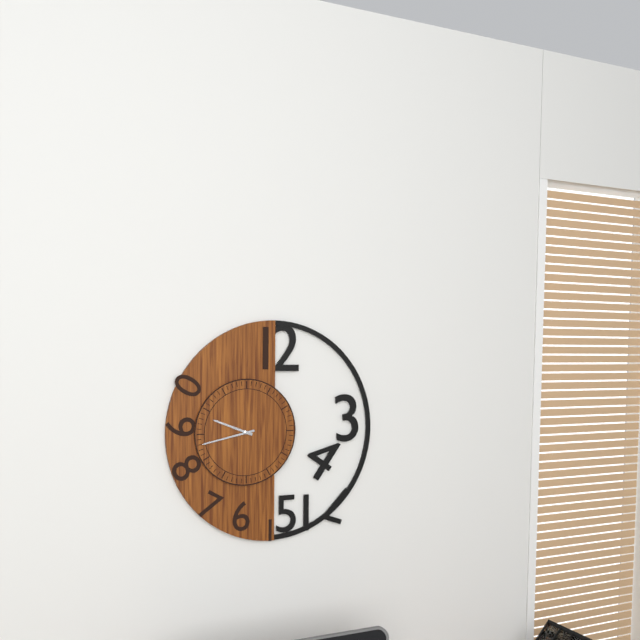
9:43
